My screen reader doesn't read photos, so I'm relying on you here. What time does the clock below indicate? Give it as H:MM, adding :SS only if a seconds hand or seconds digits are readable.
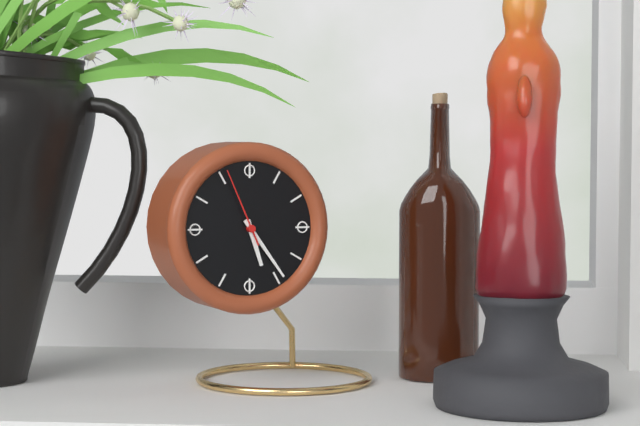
5:24:56
